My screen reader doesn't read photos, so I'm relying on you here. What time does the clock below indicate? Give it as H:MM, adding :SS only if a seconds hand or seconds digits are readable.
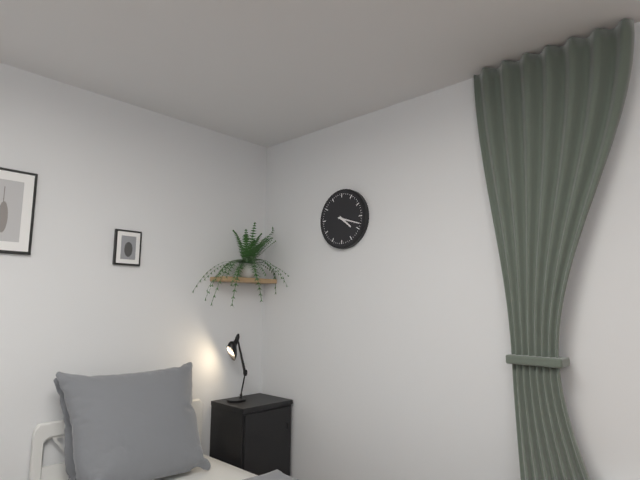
4:18
